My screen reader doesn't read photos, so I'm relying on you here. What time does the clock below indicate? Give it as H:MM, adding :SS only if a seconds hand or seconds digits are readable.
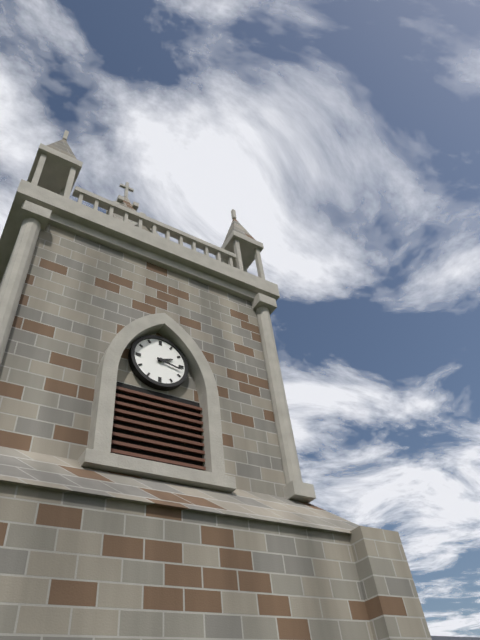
2:17
